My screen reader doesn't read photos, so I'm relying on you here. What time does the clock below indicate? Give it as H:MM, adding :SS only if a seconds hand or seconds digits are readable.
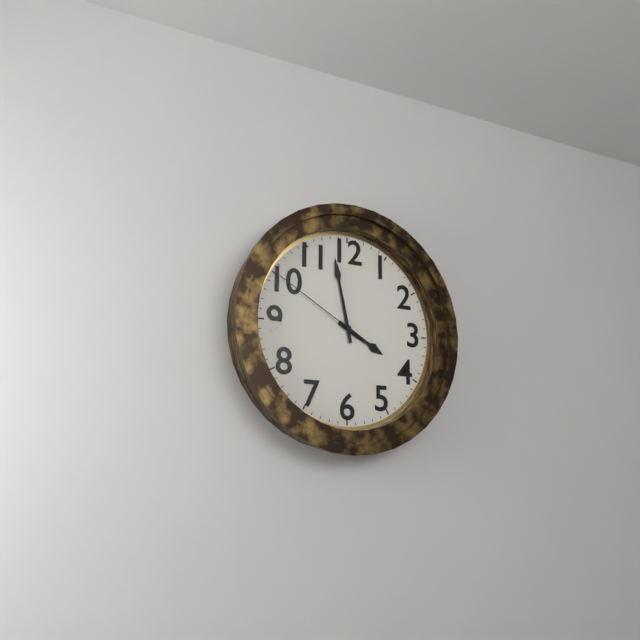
3:58:50
